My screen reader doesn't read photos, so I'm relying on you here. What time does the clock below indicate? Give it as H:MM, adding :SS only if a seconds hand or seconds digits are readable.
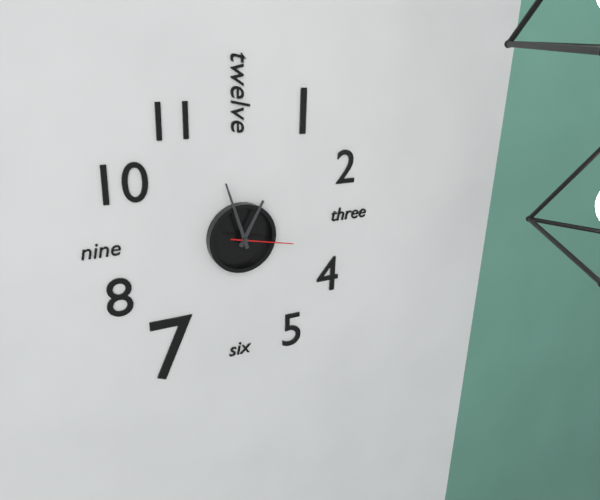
12:57:17
